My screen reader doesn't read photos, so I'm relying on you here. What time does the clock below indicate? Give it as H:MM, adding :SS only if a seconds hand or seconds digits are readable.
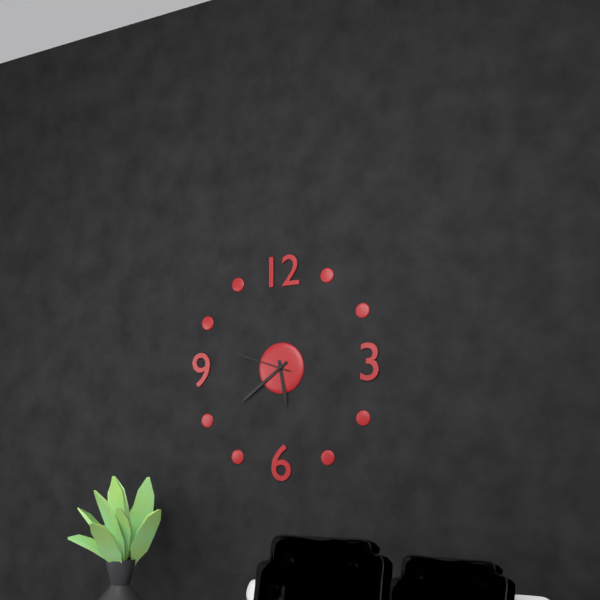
5:39:48
